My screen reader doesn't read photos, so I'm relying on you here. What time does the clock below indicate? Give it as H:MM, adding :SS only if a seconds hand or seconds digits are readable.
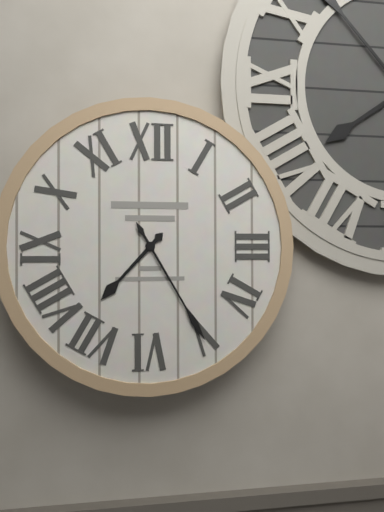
7:25
